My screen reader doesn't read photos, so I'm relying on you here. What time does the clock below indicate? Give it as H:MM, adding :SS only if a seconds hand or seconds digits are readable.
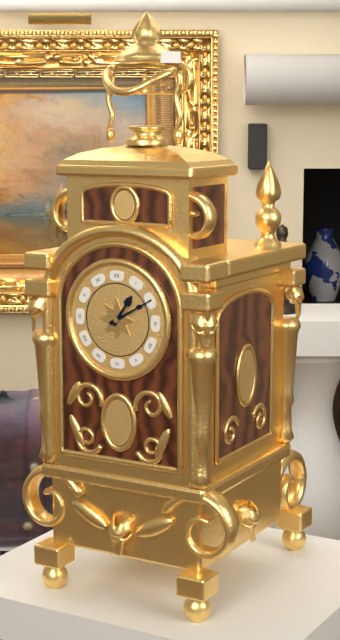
1:10
